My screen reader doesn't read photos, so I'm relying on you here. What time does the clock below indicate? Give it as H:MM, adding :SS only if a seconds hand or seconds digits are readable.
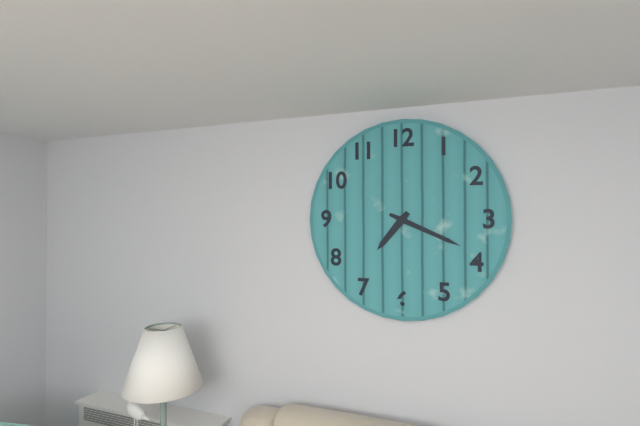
7:19
